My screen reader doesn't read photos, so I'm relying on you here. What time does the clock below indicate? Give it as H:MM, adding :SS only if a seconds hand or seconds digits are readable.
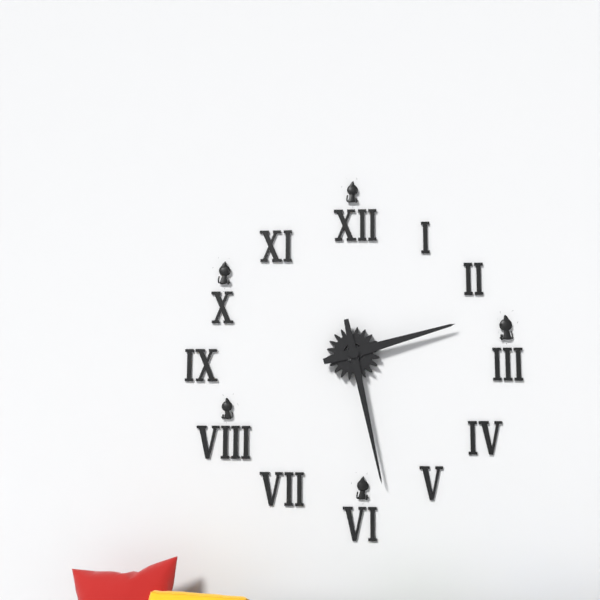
2:28
